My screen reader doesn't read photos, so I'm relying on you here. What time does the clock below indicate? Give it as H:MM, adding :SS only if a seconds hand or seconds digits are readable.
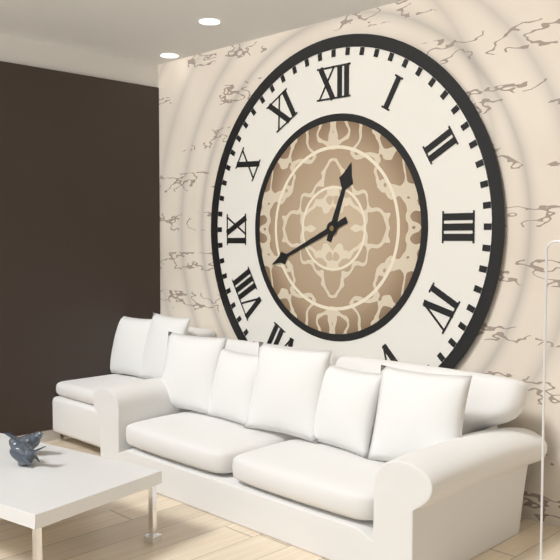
12:41
